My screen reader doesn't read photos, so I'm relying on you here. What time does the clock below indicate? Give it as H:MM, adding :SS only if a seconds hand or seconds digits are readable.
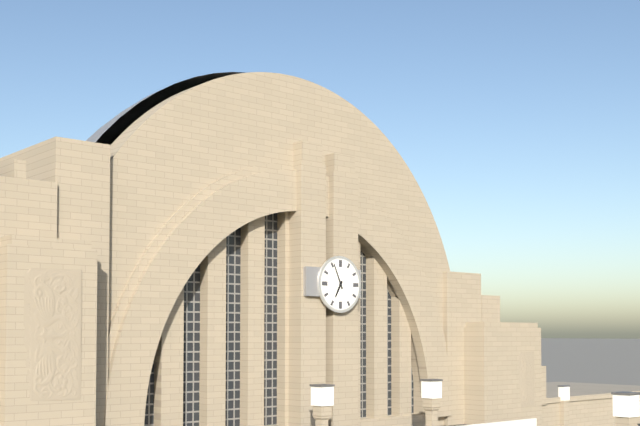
6:56
